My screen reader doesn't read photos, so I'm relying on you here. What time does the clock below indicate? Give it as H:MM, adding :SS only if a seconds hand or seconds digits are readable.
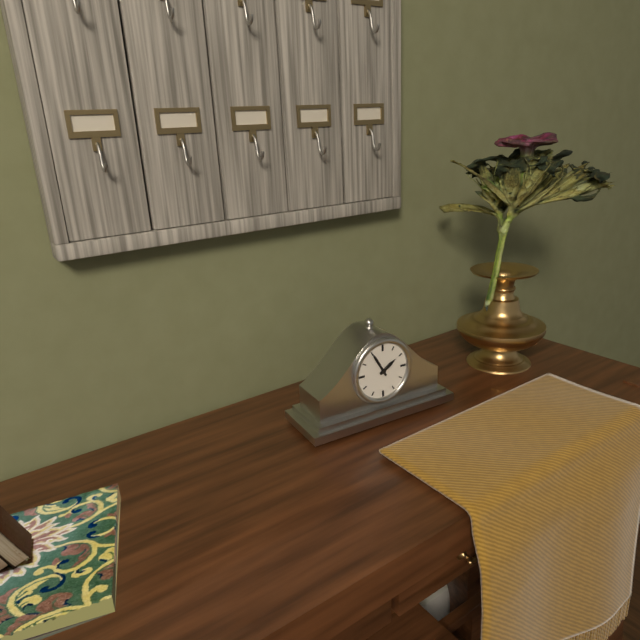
1:55
